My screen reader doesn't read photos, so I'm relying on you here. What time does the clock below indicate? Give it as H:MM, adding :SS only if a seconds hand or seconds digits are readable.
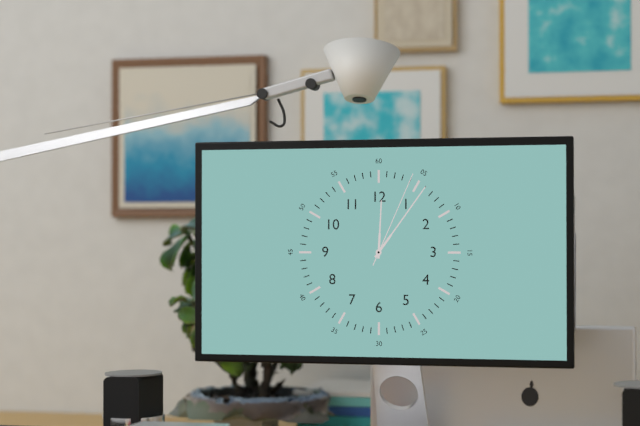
12:06:04
